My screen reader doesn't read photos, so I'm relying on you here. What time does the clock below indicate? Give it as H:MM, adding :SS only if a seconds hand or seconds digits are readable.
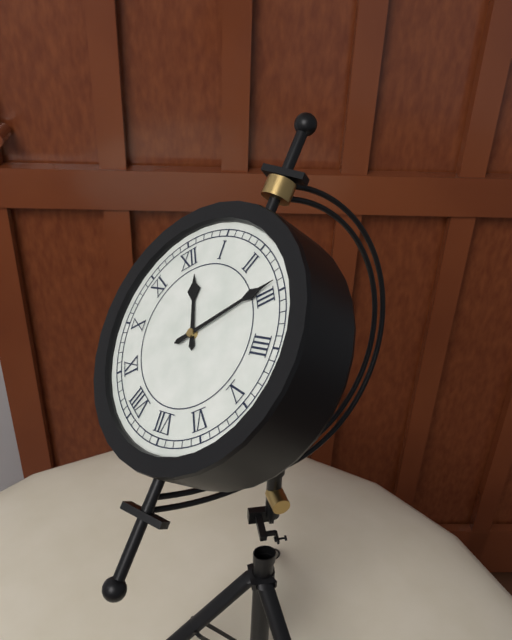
12:14
